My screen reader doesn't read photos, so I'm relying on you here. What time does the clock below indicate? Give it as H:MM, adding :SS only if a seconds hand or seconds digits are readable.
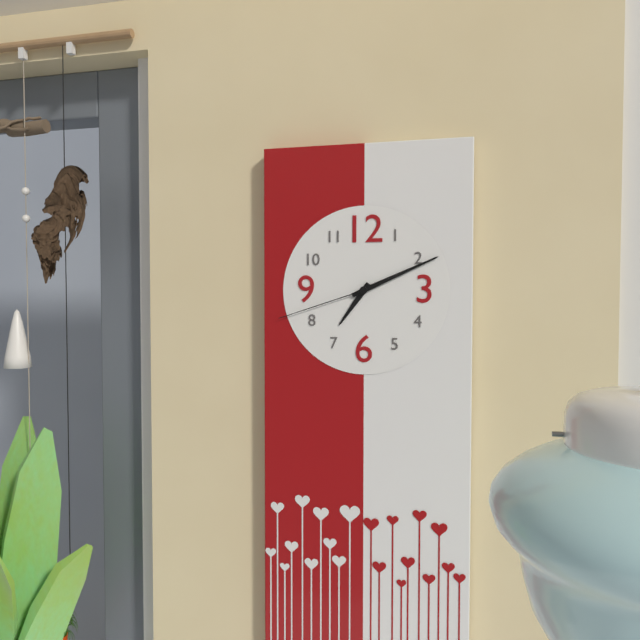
7:11:42
